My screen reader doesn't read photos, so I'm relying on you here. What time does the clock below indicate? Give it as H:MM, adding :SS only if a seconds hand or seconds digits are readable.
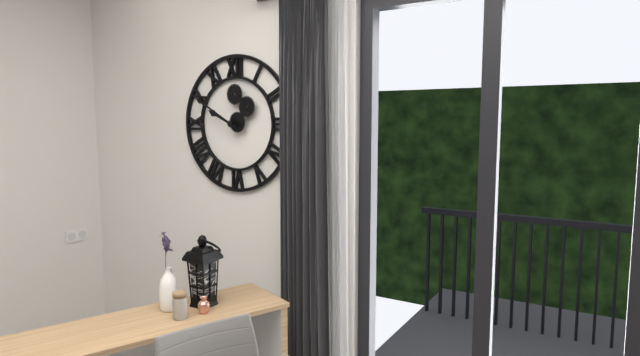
9:50
